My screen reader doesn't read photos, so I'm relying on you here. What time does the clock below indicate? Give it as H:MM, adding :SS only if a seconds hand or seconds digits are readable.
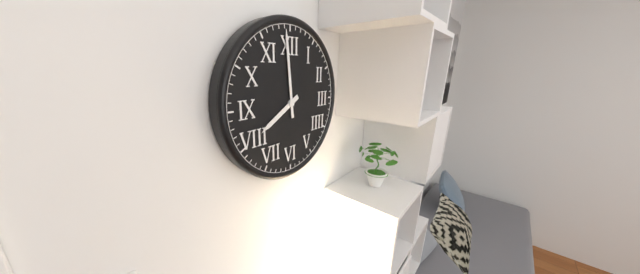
7:59
